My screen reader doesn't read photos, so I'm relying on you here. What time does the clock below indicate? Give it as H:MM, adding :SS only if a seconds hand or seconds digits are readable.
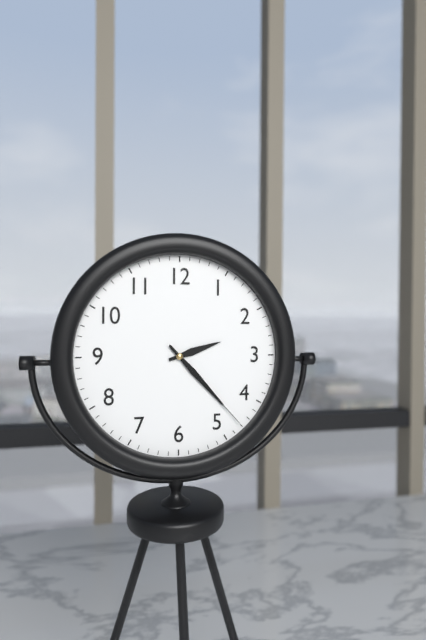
2:23:23
